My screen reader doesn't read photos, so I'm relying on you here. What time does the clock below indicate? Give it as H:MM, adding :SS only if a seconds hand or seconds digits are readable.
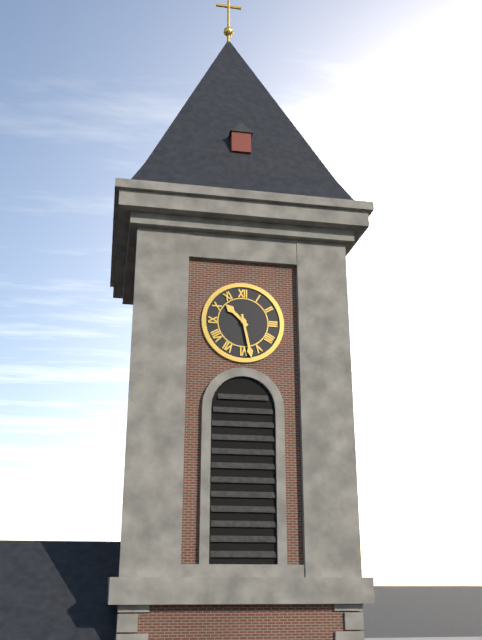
10:28
